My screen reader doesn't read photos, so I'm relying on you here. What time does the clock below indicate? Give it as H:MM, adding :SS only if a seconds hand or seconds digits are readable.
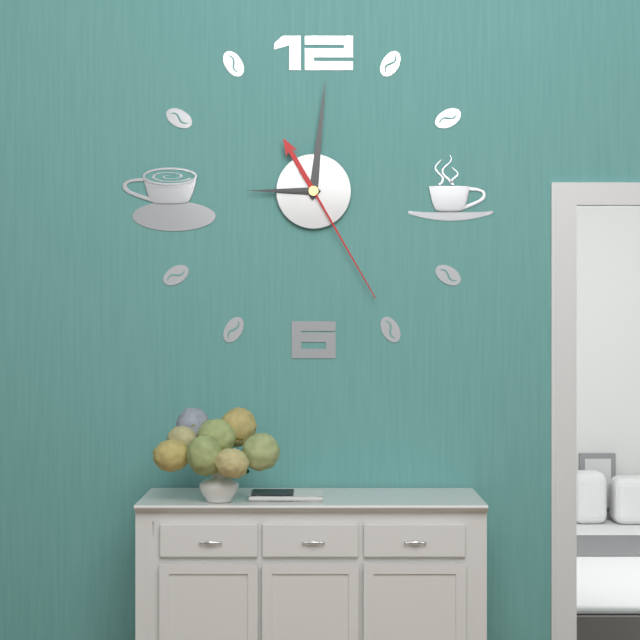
9:01:25
